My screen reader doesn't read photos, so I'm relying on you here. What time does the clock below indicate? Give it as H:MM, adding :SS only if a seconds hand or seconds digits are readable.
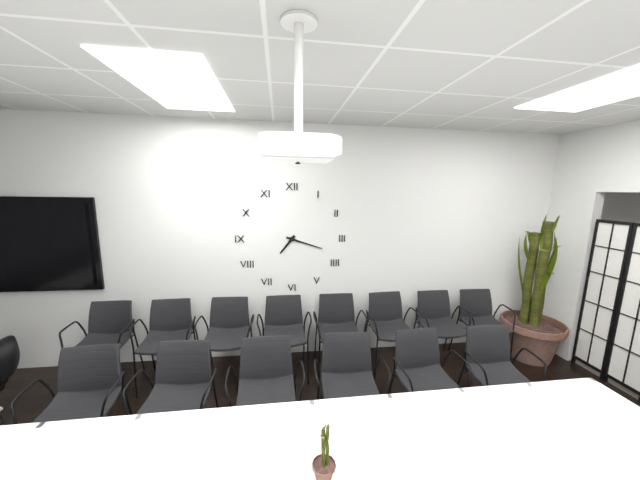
7:18
